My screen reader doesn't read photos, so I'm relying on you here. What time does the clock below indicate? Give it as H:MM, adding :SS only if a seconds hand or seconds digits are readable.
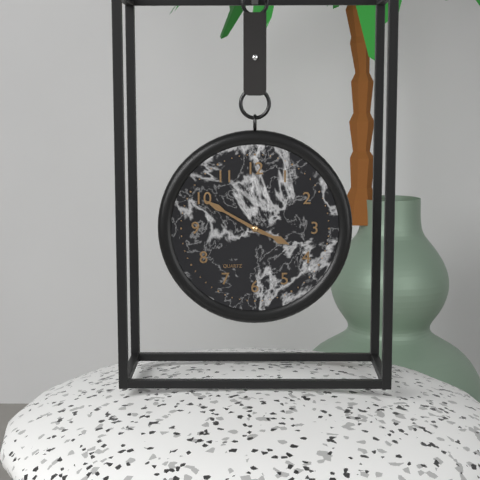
3:50
